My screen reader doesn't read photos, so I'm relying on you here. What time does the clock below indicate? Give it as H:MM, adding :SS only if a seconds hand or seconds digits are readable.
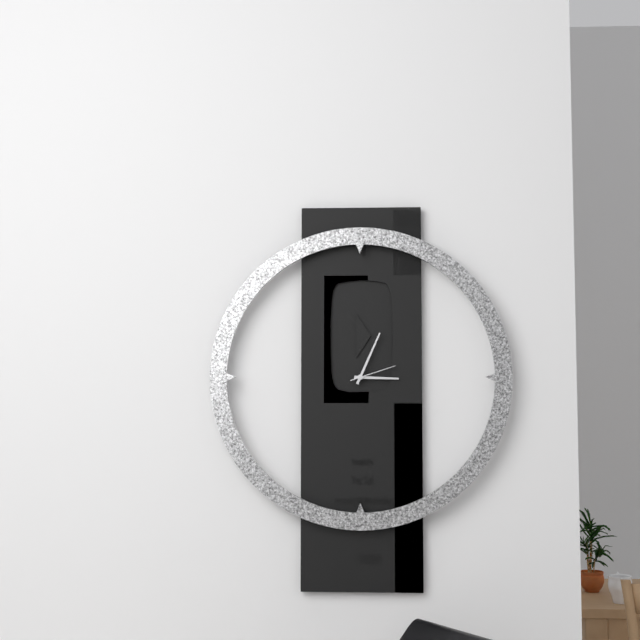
3:04
